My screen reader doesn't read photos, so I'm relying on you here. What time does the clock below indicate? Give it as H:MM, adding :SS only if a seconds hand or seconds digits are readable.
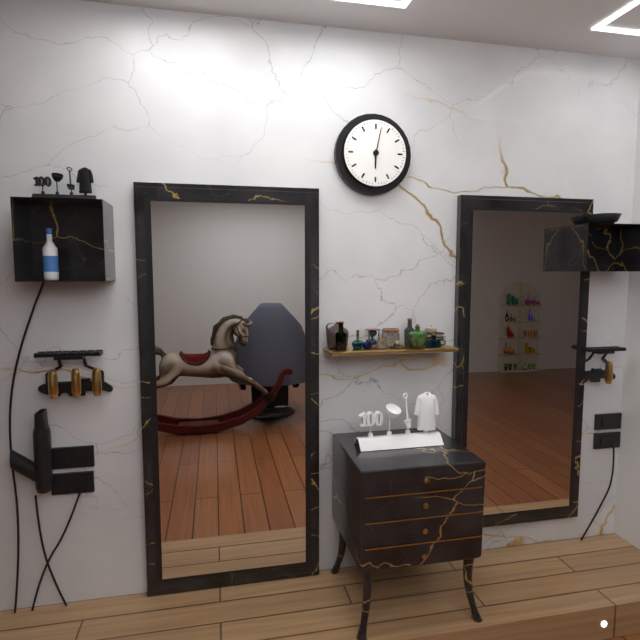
6:02
